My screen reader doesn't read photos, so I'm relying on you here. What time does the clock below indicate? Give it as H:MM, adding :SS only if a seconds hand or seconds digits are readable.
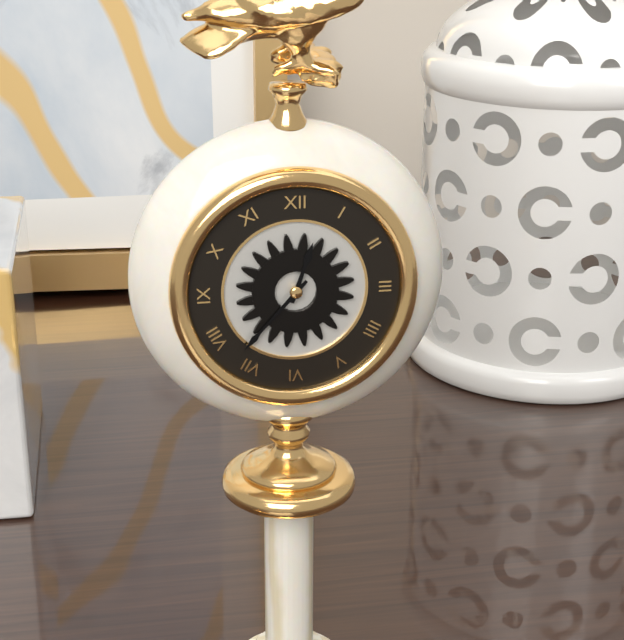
12:37
